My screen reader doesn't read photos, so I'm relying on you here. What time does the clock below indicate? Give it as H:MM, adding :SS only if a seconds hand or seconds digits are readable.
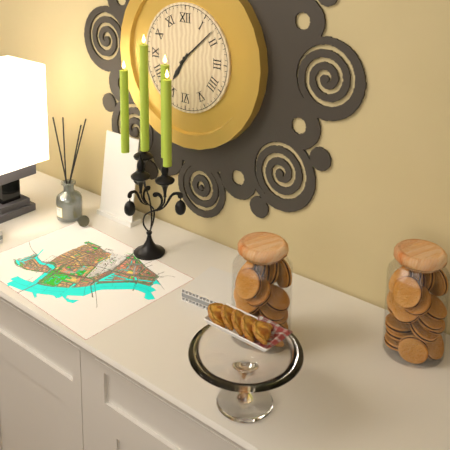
7:08
